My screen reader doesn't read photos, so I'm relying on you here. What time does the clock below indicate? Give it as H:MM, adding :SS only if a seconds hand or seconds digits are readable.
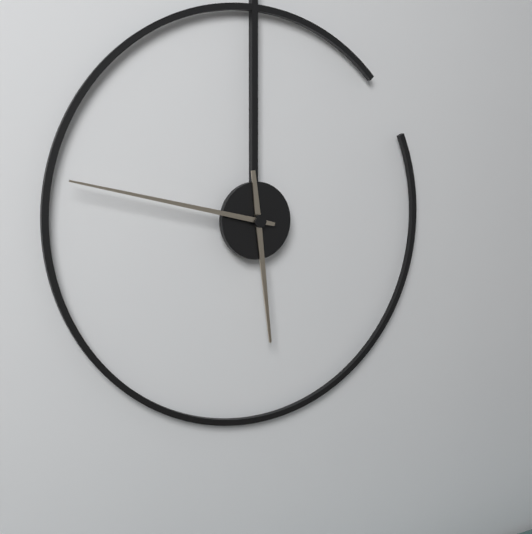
5:47
